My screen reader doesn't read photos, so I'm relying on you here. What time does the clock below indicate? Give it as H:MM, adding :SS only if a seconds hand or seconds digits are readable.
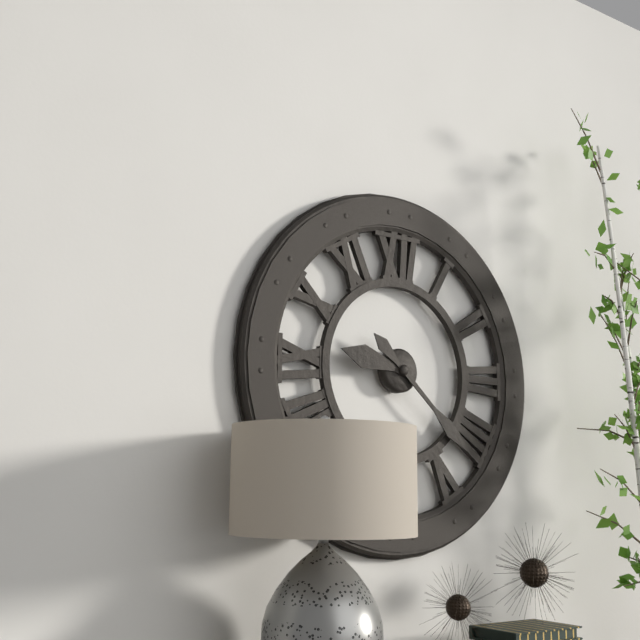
9:22
